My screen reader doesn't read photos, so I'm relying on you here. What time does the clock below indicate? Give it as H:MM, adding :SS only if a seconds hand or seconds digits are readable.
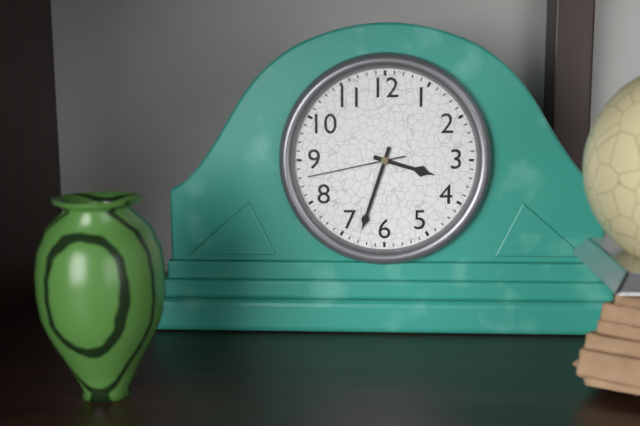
3:33:43
